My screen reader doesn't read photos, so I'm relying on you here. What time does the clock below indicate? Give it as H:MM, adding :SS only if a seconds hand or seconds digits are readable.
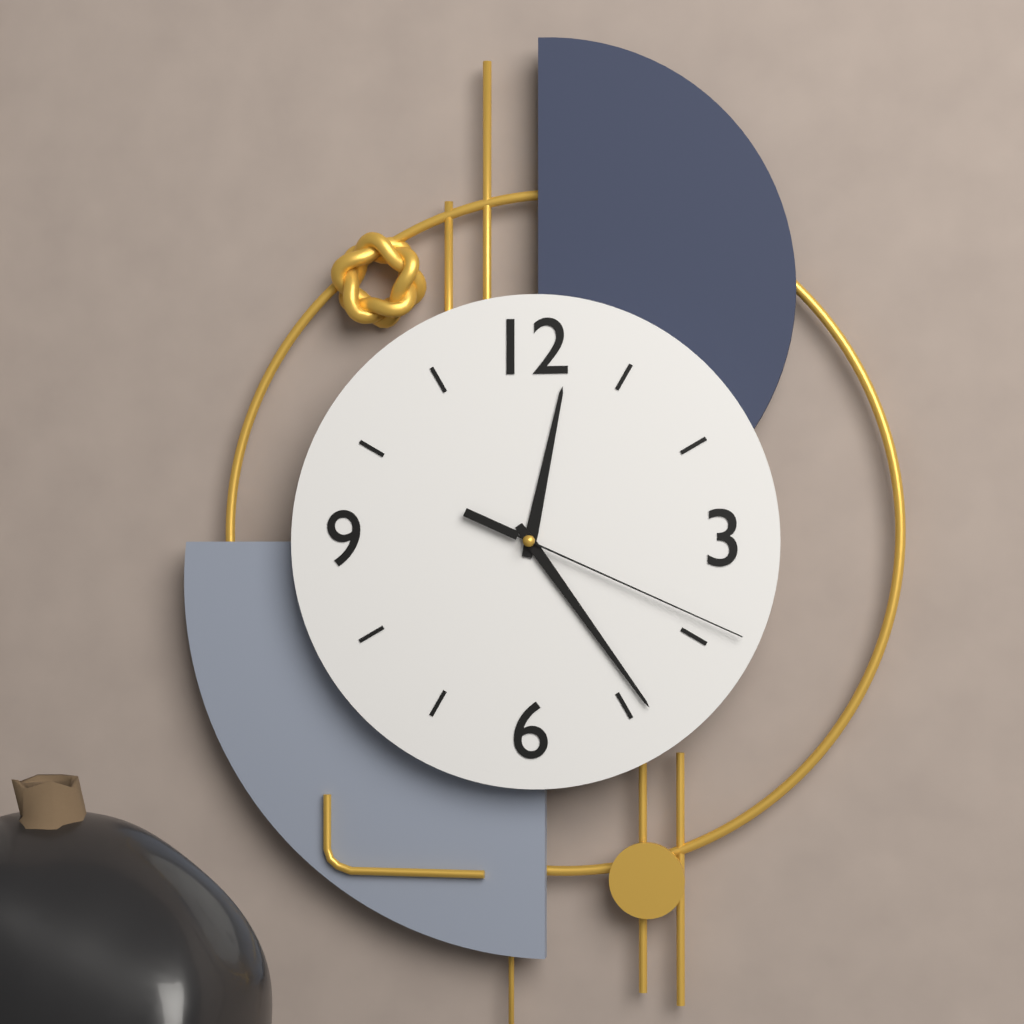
12:24:19
